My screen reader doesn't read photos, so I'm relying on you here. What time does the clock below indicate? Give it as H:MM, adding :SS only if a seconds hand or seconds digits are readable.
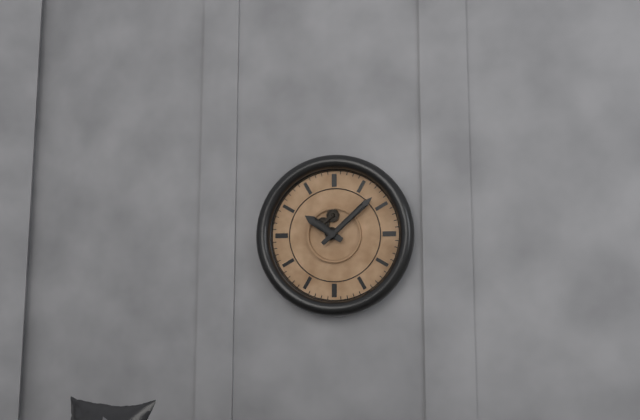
10:08
